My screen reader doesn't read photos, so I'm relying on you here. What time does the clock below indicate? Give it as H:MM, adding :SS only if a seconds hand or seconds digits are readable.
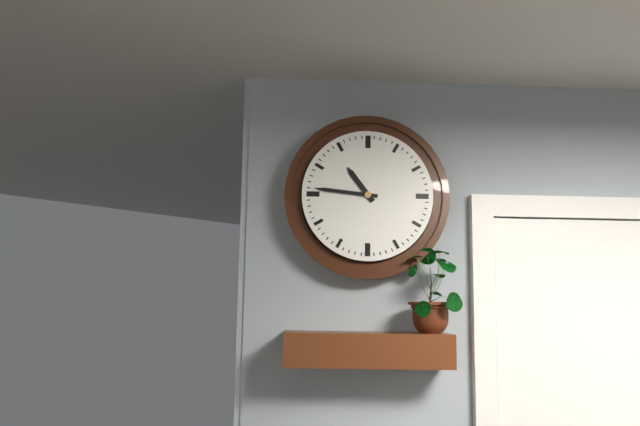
10:46
